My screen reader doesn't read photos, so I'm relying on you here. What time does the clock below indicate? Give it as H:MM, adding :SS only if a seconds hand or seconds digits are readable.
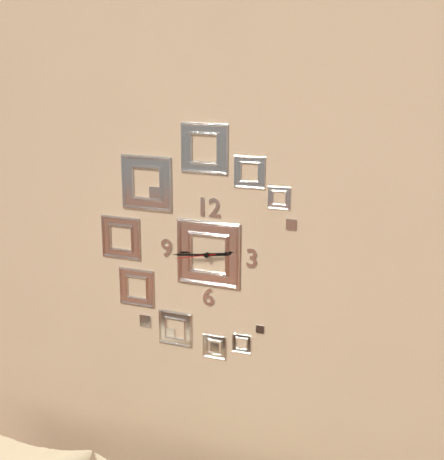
2:44
